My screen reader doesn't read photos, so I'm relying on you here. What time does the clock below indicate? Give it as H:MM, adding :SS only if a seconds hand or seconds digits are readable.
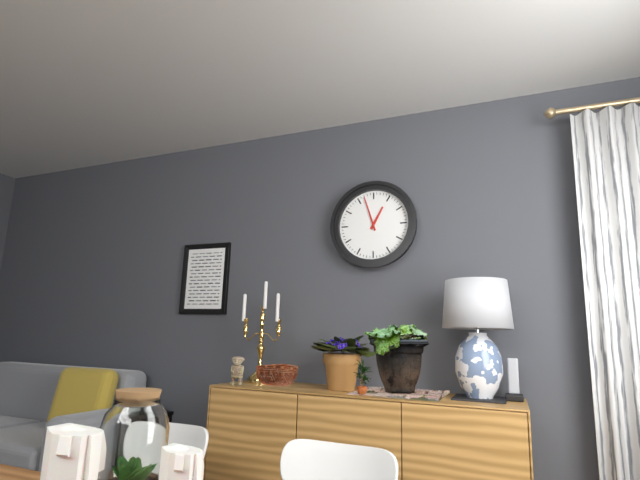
12:57
